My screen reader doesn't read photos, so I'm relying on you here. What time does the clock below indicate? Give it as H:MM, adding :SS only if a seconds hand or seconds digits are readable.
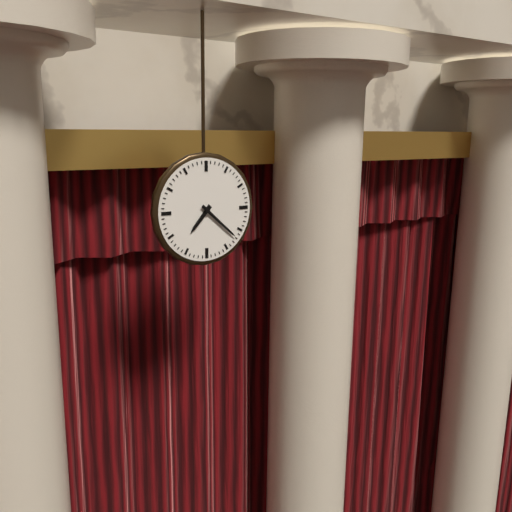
7:22
